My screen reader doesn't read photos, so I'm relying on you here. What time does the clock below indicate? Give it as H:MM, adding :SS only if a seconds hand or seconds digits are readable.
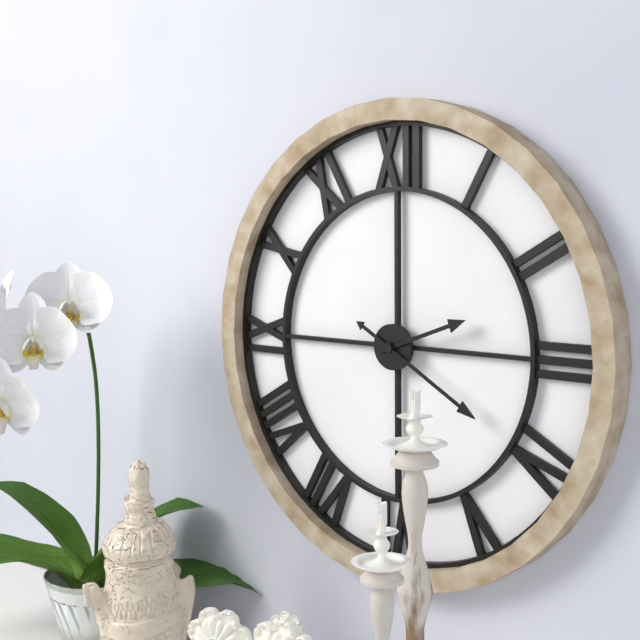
2:20
